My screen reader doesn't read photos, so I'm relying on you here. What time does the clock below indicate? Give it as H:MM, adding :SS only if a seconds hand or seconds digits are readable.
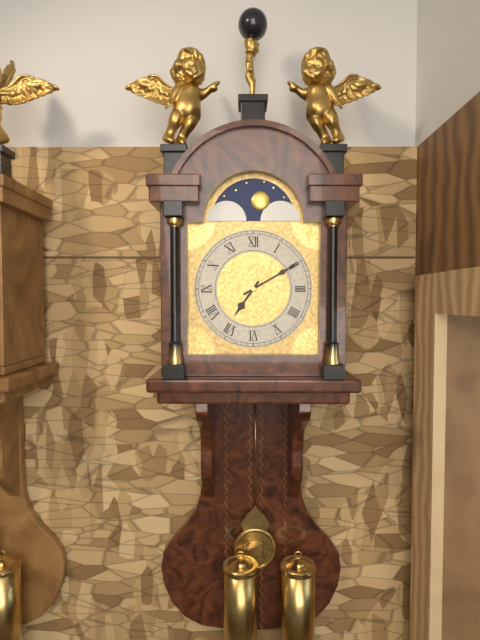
7:10
